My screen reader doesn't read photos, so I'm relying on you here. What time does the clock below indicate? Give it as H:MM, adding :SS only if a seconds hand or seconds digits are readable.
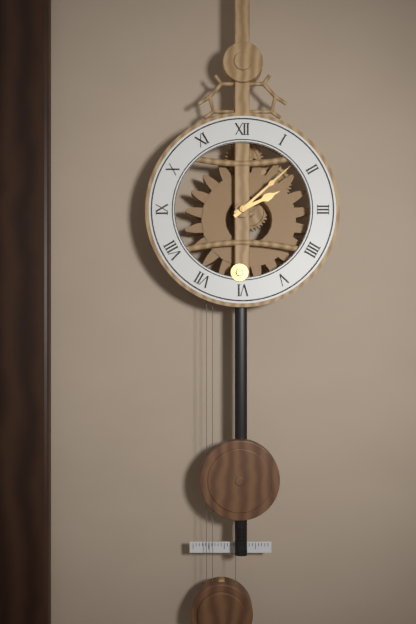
2:08
